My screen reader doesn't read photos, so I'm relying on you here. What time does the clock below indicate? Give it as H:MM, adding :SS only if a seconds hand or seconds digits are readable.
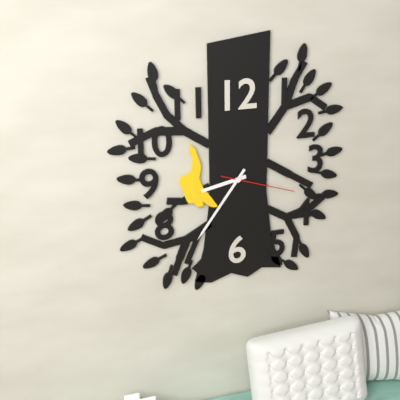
8:36:18
